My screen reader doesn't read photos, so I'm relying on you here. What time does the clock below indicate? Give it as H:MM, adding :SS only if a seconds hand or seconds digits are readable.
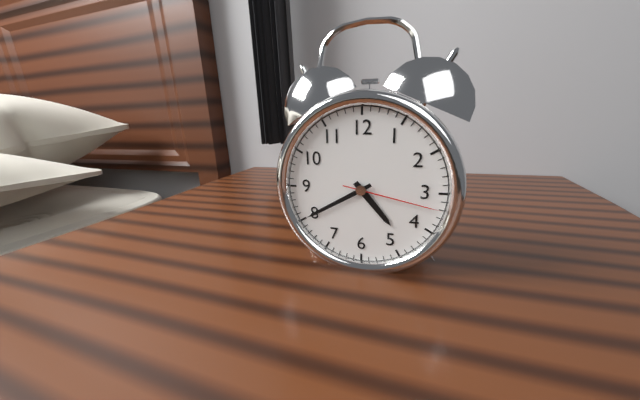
4:40:17
